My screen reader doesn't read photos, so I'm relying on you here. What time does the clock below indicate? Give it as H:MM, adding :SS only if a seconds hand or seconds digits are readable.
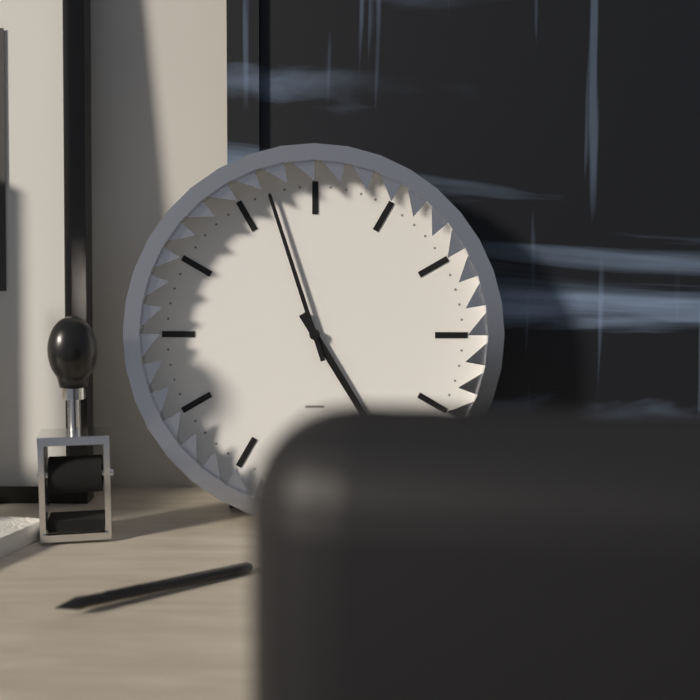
4:57
